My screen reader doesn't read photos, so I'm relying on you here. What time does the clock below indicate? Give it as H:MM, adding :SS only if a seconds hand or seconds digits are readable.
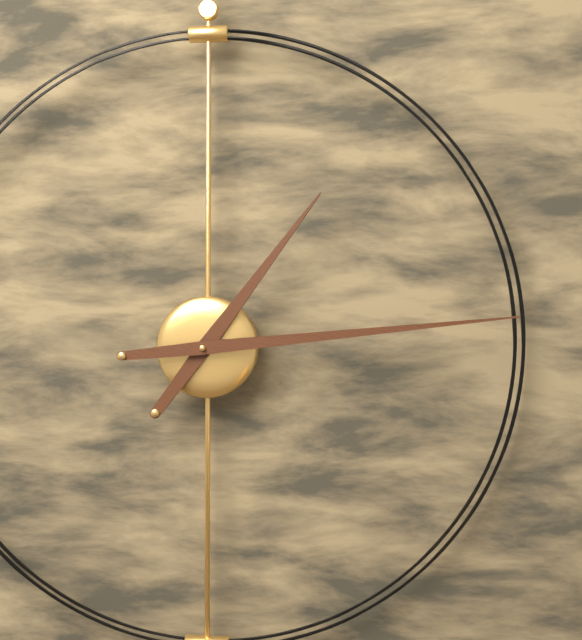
1:14
